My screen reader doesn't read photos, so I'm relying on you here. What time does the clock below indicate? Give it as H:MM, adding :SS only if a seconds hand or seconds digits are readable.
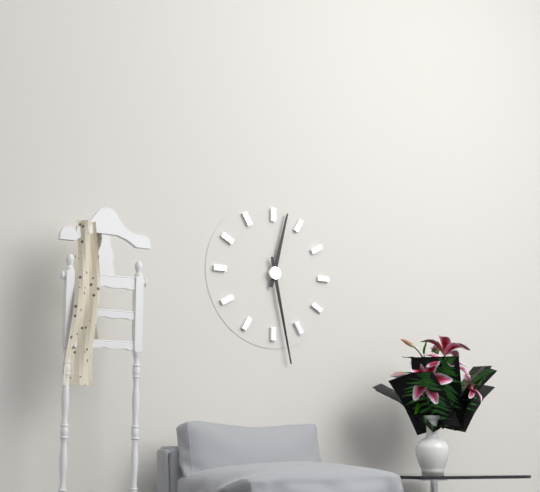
12:28
